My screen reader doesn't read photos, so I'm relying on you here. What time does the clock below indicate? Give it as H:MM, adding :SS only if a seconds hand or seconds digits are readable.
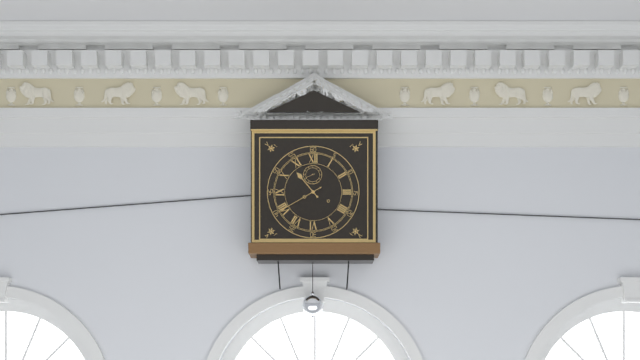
10:40
